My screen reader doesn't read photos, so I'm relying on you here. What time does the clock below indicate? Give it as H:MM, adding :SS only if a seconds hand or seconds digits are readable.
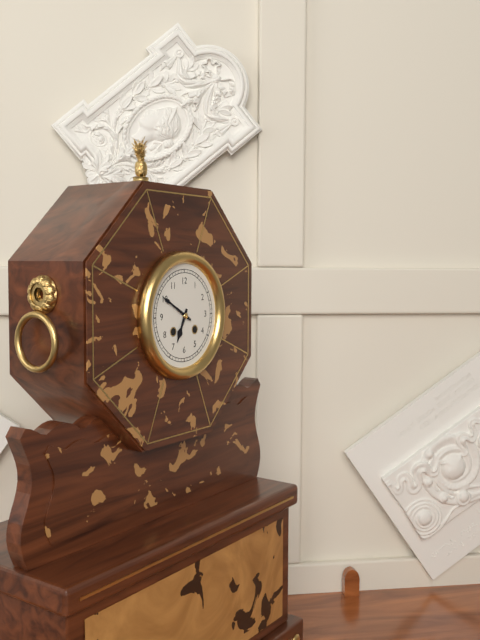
6:50
